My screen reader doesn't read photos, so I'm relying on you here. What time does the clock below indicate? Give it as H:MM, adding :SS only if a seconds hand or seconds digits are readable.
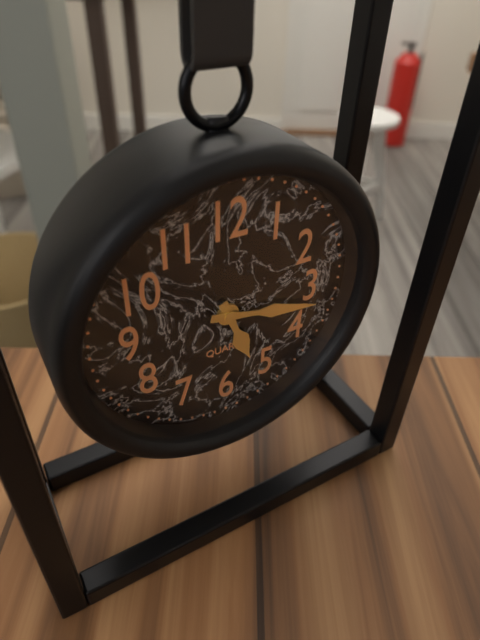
5:17
